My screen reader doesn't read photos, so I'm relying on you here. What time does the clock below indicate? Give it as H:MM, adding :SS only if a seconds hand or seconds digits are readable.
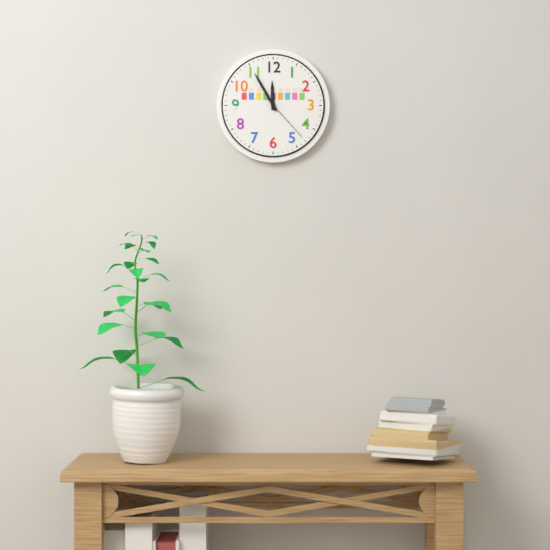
11:55:23
